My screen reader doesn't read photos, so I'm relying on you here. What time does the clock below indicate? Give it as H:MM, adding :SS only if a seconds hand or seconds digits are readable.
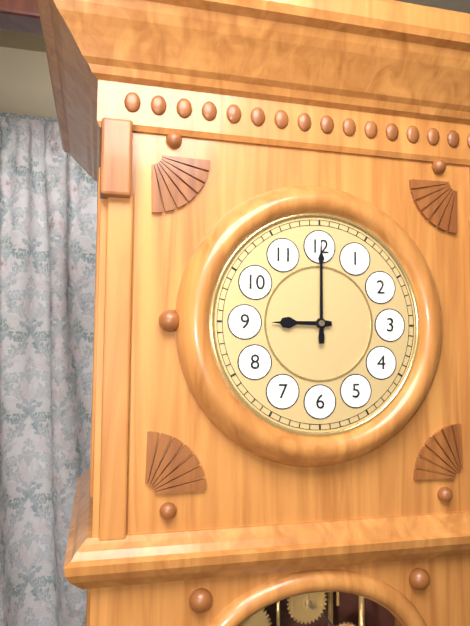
9:00
